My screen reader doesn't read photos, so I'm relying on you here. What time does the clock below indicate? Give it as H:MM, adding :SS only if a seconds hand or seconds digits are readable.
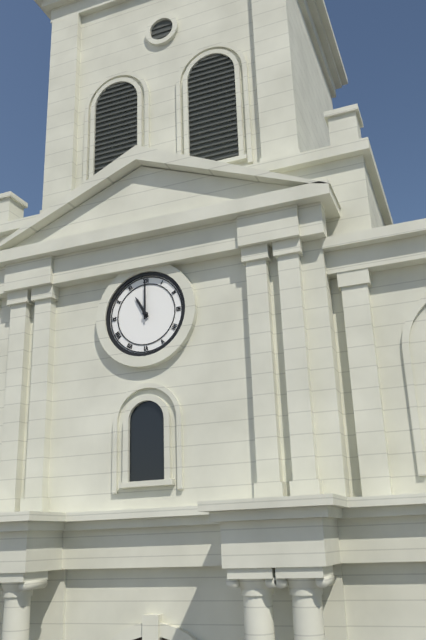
11:00
